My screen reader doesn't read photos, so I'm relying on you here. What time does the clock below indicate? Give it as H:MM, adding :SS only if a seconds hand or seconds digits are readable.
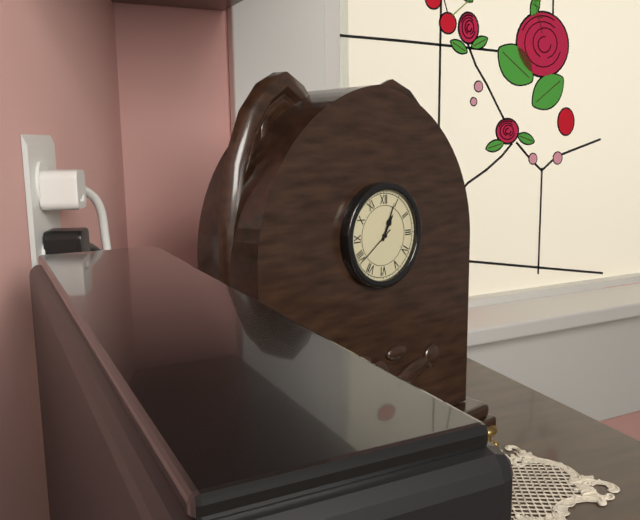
1:04
